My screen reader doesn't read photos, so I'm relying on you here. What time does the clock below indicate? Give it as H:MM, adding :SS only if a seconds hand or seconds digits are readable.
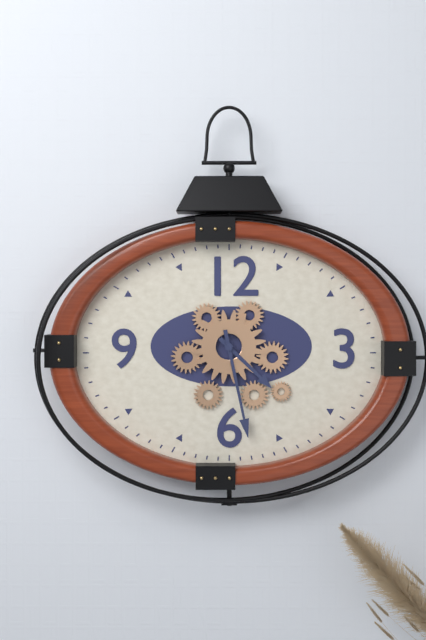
4:28
